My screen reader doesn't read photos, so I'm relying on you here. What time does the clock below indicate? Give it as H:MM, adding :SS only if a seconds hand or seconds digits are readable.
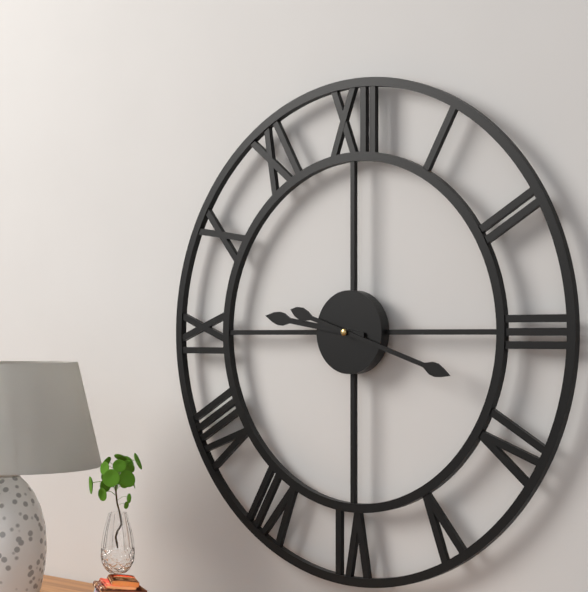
9:18
